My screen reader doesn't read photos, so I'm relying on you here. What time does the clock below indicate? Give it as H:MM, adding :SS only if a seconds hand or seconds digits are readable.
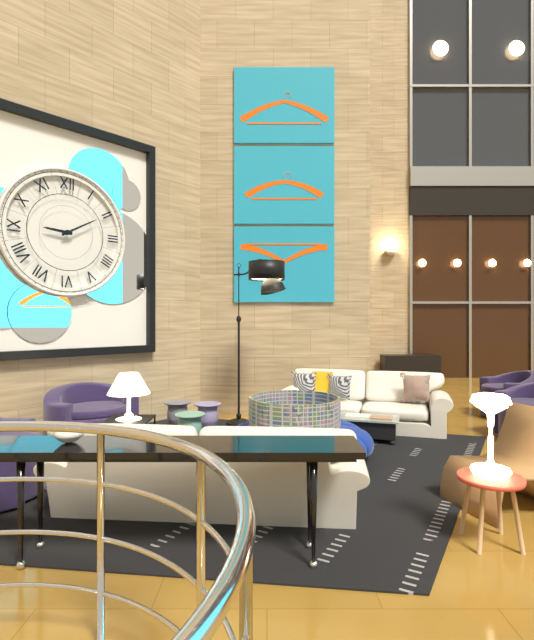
9:10
